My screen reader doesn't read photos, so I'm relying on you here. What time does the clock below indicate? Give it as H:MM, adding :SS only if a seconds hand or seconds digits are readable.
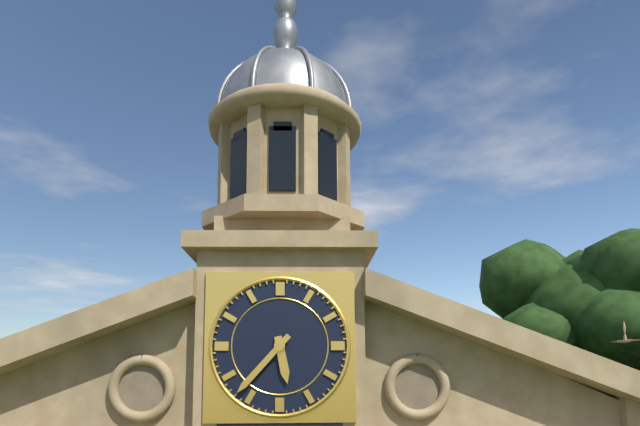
5:37
